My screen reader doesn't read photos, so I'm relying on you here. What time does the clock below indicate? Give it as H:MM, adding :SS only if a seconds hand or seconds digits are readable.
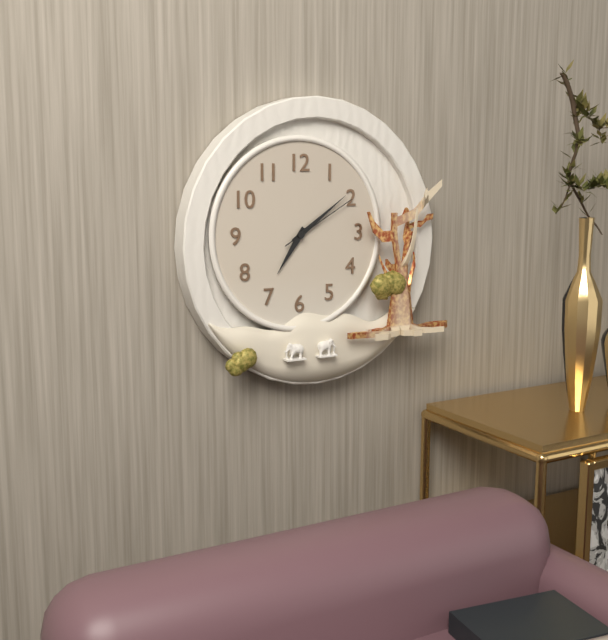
7:09:10
